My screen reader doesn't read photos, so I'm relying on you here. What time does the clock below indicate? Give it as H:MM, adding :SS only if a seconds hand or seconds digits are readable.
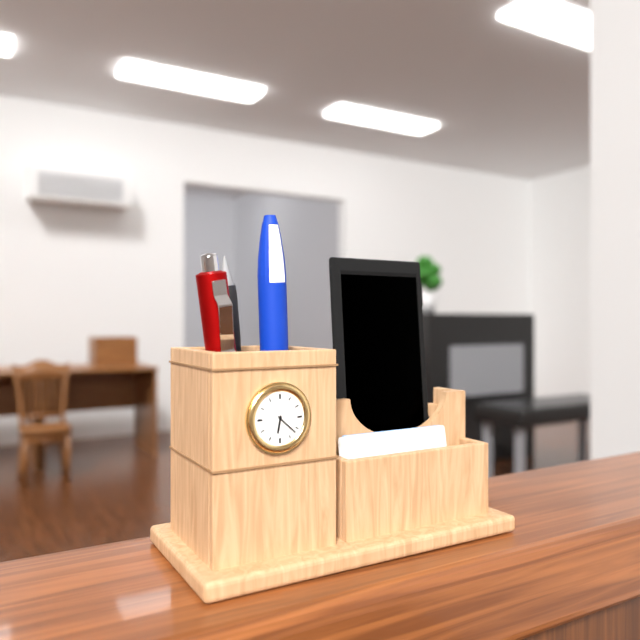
6:22
